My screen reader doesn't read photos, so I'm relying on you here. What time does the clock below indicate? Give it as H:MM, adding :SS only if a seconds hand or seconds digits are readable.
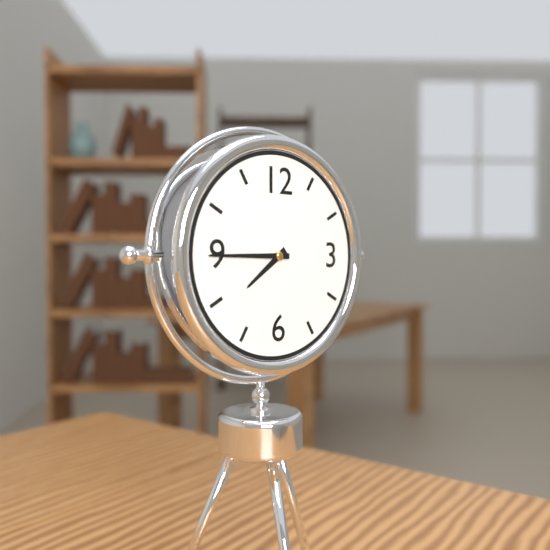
7:45
